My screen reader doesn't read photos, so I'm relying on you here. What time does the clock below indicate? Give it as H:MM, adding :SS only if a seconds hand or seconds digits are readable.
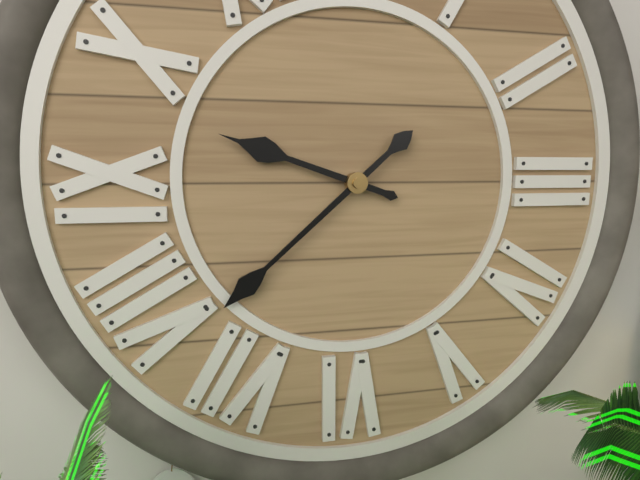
9:38
